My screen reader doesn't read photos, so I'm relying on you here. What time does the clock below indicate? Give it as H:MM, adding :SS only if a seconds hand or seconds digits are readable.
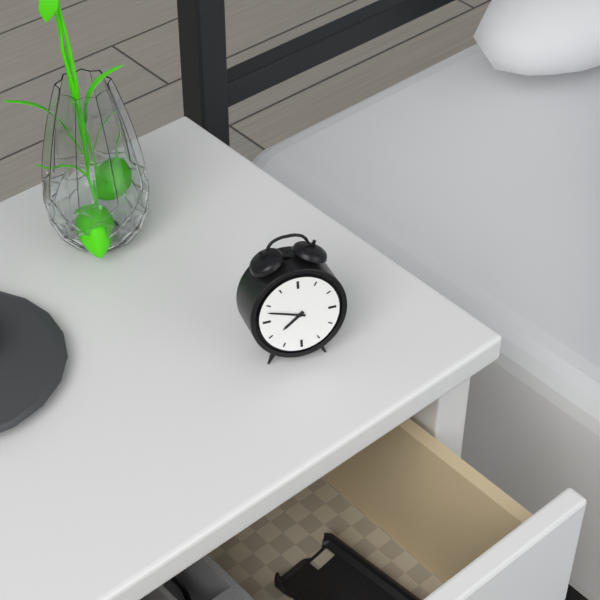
7:48
